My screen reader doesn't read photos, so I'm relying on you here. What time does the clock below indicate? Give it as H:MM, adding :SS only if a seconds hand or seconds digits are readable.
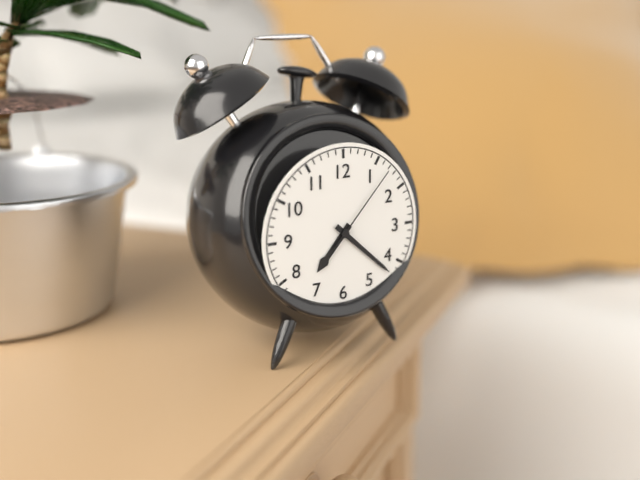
7:22:07
